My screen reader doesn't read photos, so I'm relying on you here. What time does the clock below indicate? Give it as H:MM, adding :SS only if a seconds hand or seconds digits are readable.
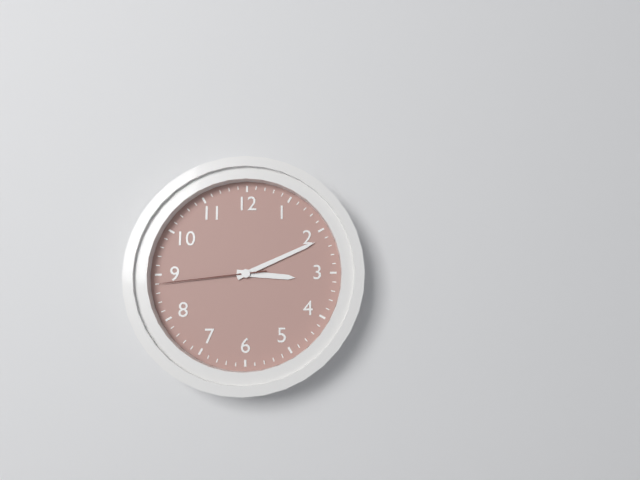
3:11:44
